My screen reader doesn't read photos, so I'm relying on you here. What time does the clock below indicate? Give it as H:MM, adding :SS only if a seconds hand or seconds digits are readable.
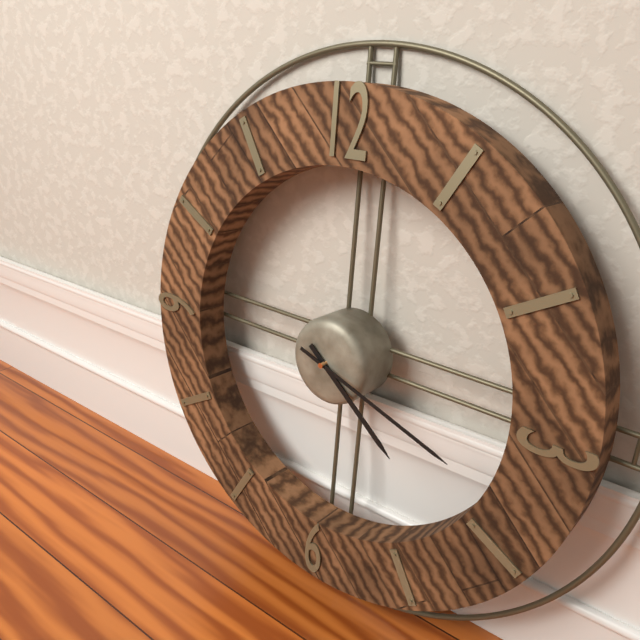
4:18
